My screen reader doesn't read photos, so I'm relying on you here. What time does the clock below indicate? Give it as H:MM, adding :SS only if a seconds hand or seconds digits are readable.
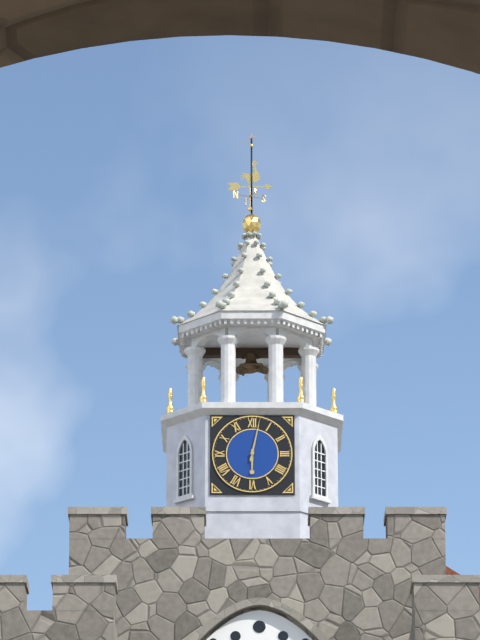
6:02
